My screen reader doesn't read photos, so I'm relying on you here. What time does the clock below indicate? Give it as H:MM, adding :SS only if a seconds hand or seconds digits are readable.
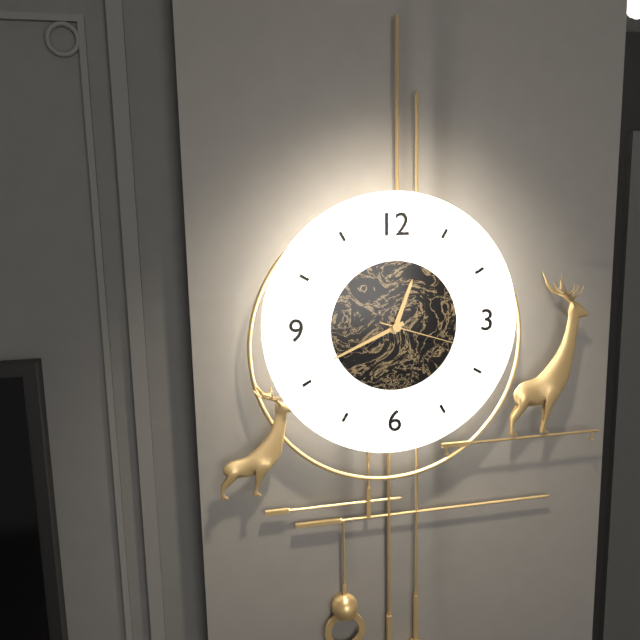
12:41:18
